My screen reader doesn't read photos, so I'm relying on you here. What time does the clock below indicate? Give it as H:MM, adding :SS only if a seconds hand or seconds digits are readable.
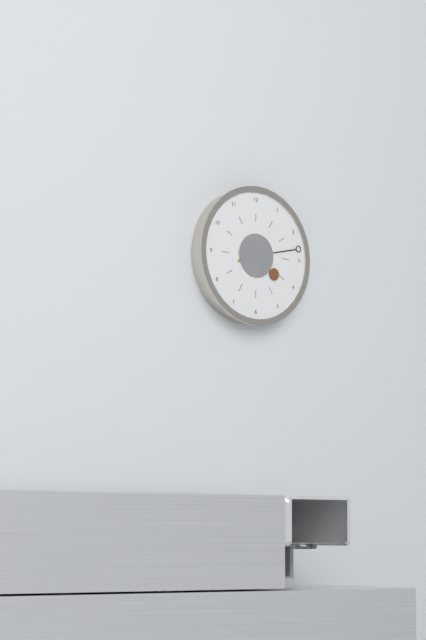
4:13
